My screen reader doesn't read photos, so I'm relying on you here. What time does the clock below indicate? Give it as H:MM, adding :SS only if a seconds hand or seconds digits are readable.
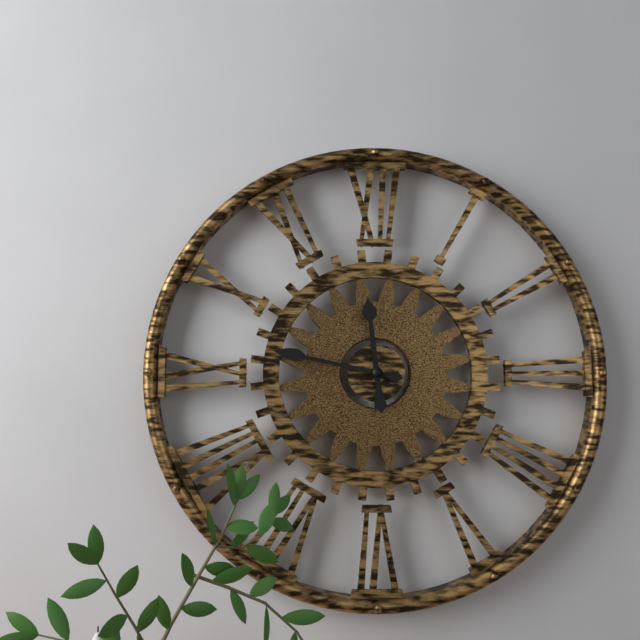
11:47
